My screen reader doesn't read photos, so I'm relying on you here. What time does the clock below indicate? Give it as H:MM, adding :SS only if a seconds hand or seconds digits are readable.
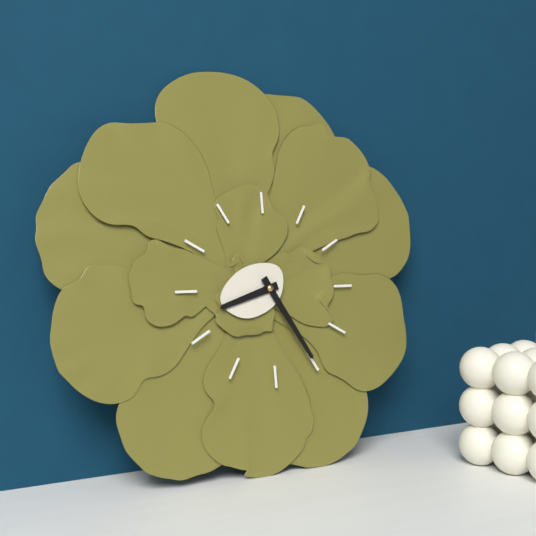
8:25
